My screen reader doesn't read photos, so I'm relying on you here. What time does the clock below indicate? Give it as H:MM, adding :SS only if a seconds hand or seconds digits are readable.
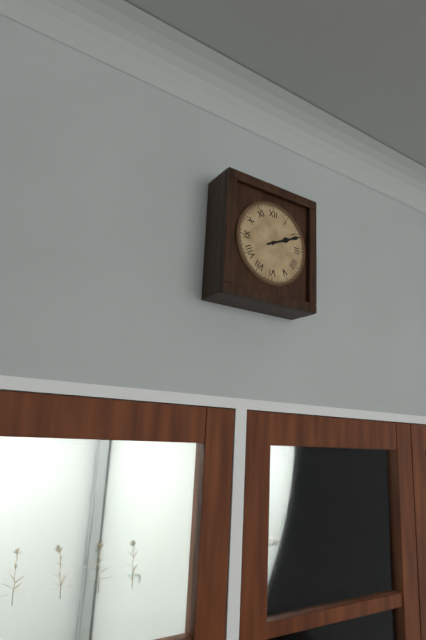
2:11
